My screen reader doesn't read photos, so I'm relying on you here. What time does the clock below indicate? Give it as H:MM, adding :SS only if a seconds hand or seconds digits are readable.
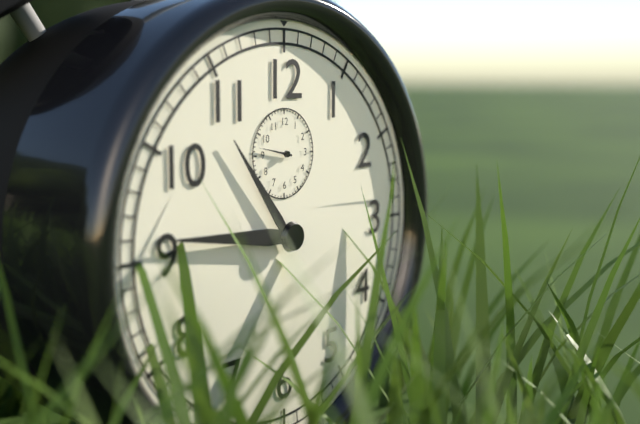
10:46
